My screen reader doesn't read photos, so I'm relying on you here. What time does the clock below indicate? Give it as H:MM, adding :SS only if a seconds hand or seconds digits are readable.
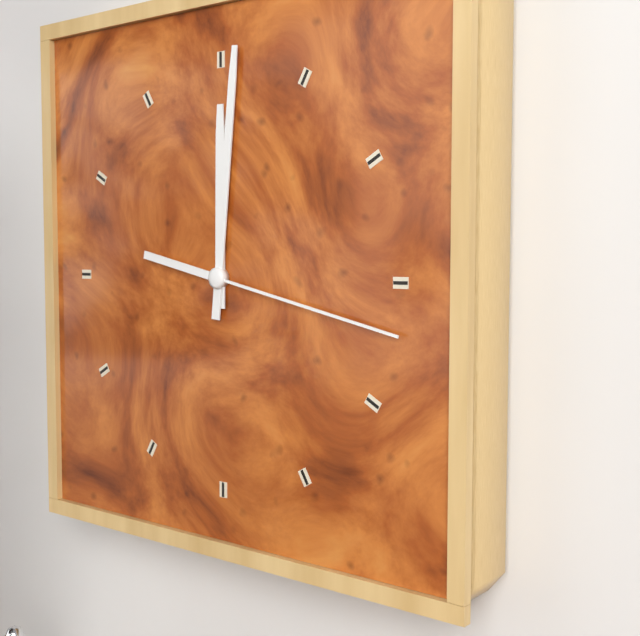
12:01:17
